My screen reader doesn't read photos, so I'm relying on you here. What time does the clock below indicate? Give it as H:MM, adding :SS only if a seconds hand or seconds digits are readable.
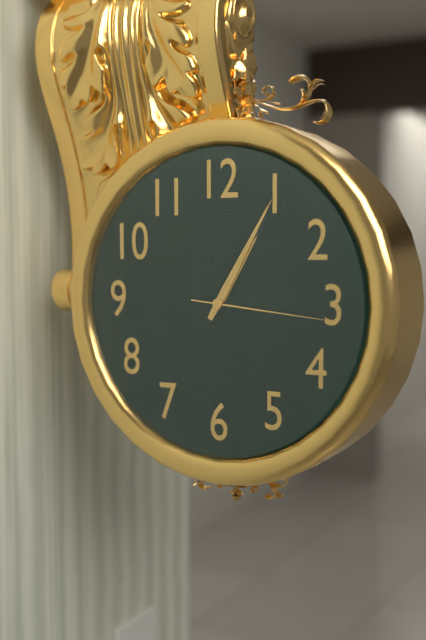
1:05:16
